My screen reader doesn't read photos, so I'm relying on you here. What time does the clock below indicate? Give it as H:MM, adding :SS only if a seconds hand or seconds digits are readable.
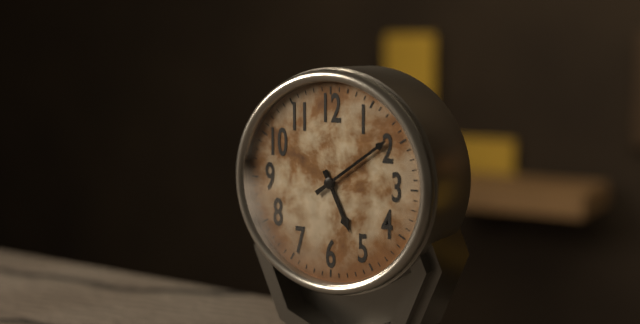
5:09
